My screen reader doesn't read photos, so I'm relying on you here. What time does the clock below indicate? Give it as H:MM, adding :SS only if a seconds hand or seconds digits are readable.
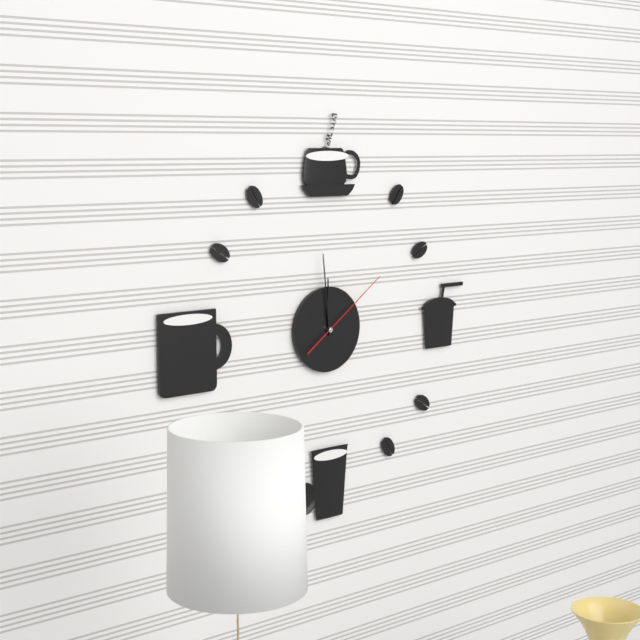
11:59:09
